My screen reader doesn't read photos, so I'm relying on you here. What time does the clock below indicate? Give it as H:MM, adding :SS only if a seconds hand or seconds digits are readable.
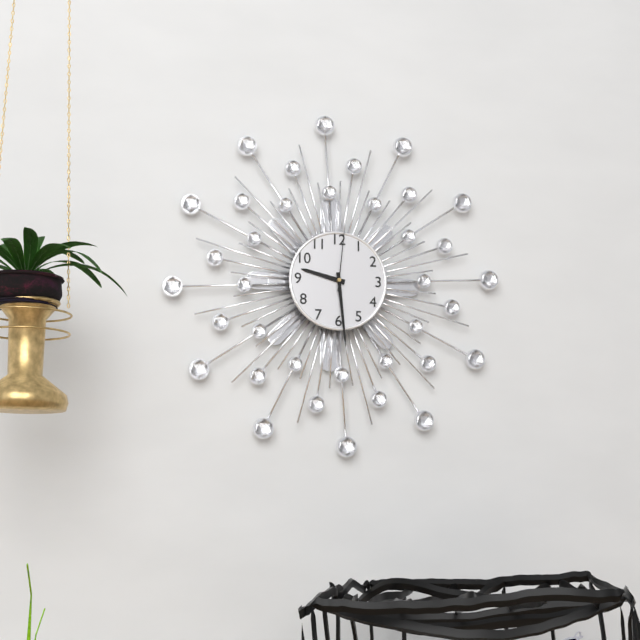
9:29:01
